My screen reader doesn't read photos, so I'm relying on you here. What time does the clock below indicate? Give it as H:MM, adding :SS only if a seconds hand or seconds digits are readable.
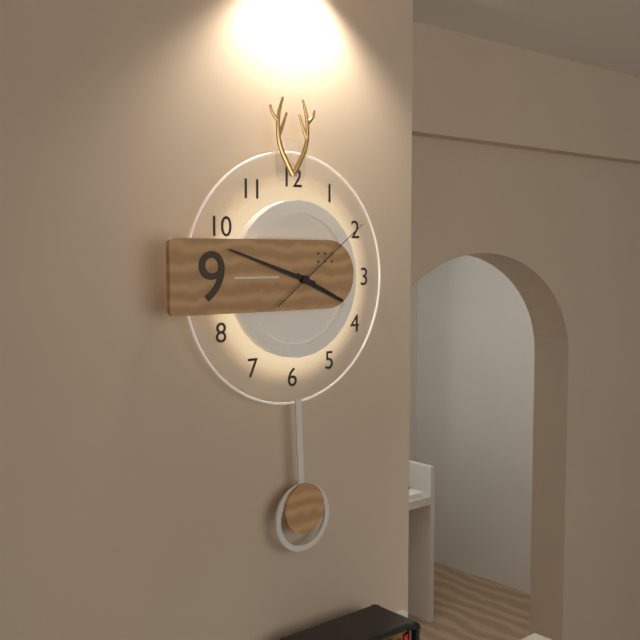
3:48:09
